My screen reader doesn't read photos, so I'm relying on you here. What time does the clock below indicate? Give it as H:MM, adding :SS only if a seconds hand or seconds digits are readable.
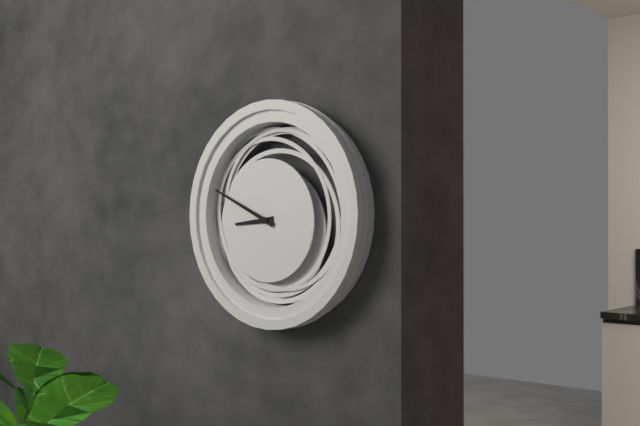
8:49
